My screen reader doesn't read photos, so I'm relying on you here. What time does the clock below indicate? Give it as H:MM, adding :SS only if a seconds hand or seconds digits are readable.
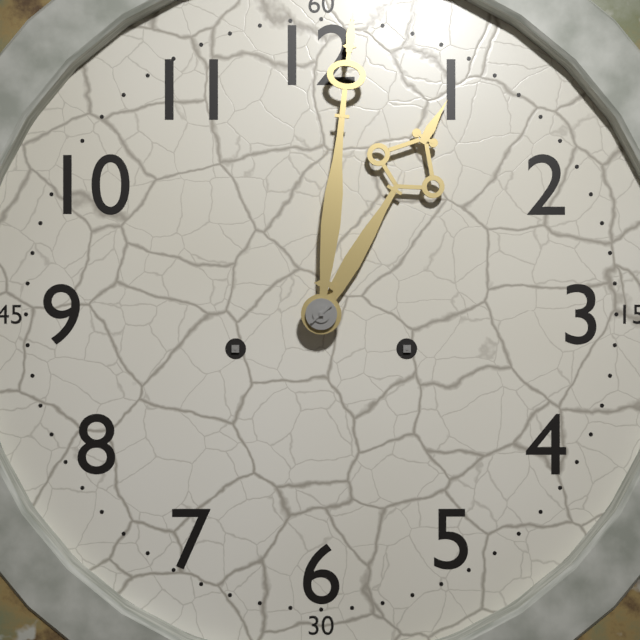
1:01
